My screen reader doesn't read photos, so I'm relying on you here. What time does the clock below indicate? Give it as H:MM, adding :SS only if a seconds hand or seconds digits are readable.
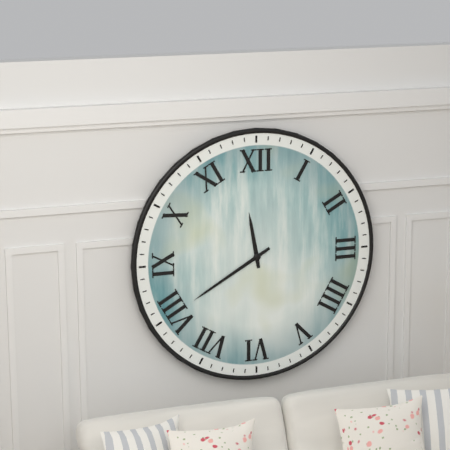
11:40
